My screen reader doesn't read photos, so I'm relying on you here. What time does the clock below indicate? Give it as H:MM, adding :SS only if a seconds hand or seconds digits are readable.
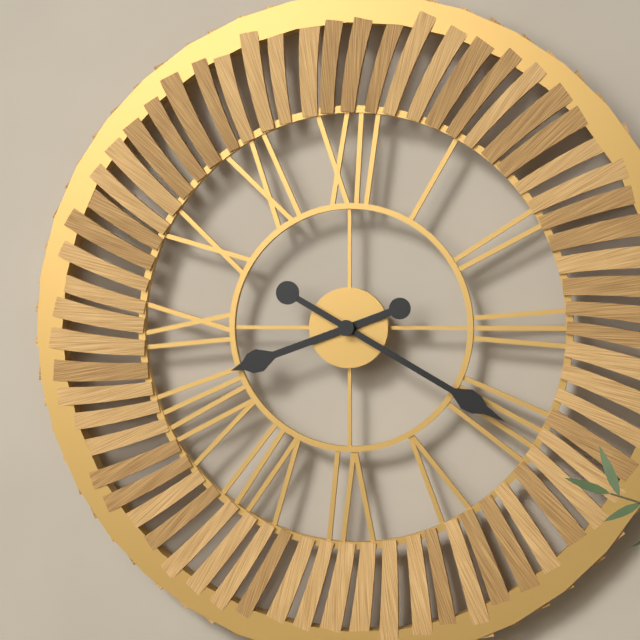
8:20
